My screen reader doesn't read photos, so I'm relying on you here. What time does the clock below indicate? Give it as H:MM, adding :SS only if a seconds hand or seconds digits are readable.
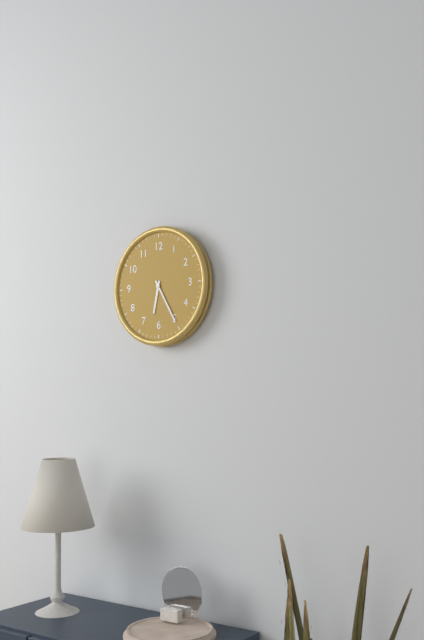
6:25
